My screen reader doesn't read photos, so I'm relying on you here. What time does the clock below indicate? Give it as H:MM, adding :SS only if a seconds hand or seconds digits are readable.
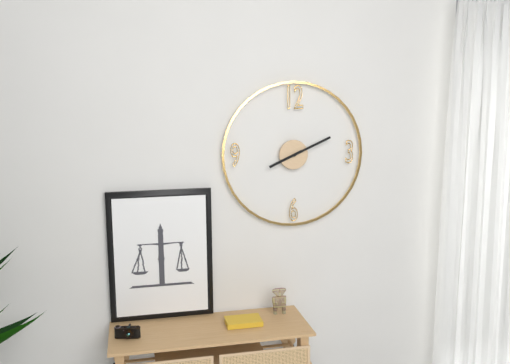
8:11
